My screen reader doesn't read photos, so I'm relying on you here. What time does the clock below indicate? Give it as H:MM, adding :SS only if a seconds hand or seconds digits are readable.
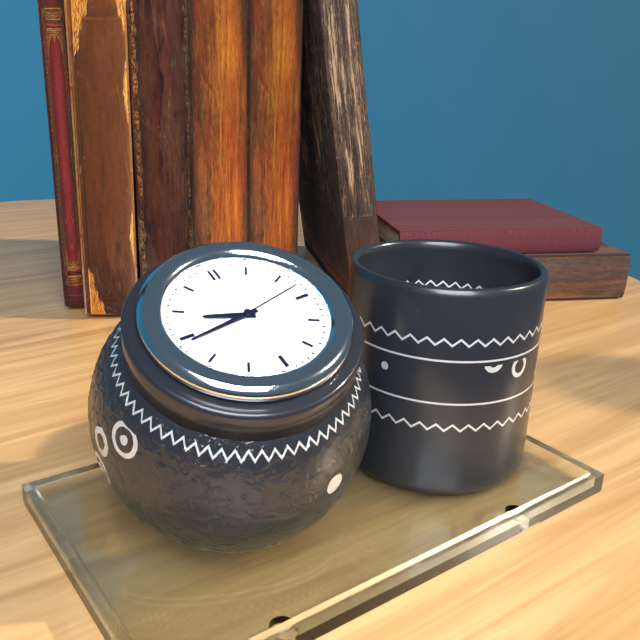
9:44:13
